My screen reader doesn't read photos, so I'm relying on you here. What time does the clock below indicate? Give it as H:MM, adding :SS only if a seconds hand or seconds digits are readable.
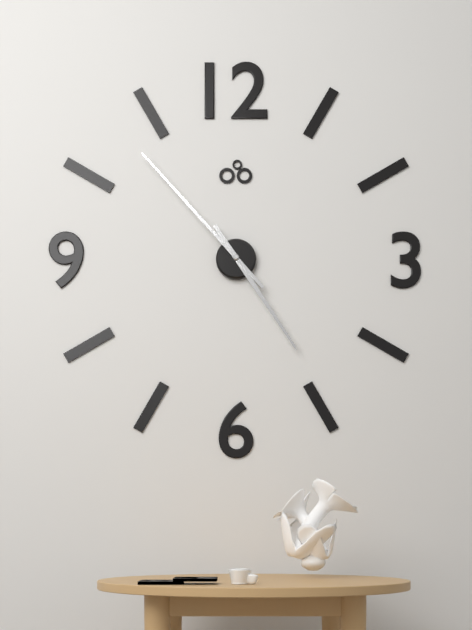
4:53
